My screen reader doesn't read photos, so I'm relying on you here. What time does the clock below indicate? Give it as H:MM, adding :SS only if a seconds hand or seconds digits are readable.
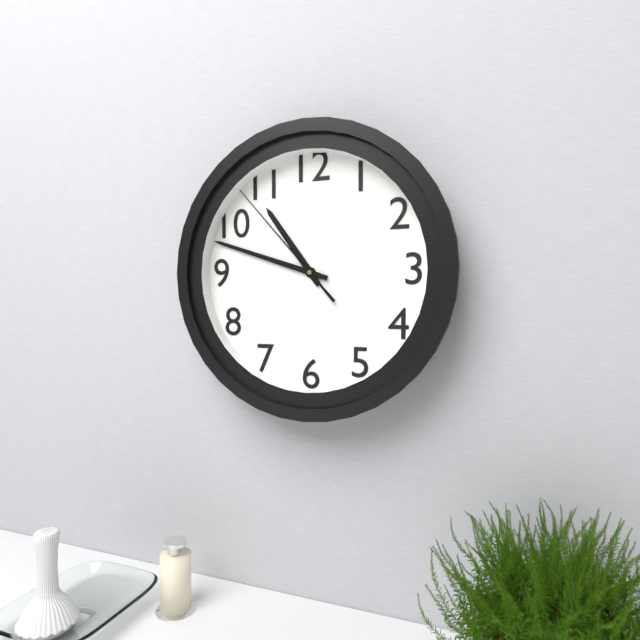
10:48:53
